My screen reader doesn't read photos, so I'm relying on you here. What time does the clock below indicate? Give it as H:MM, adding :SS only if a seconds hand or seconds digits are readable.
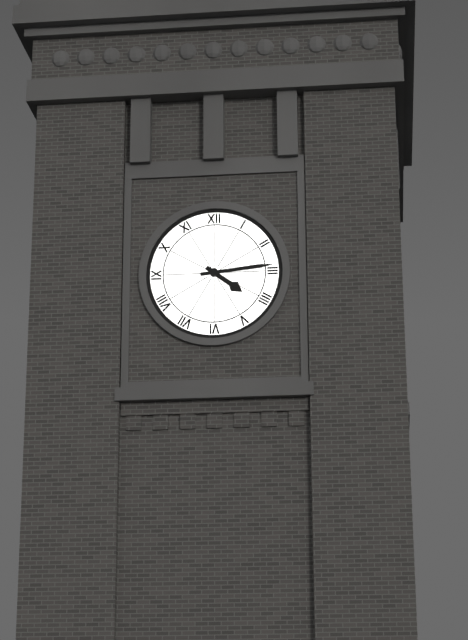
4:14
